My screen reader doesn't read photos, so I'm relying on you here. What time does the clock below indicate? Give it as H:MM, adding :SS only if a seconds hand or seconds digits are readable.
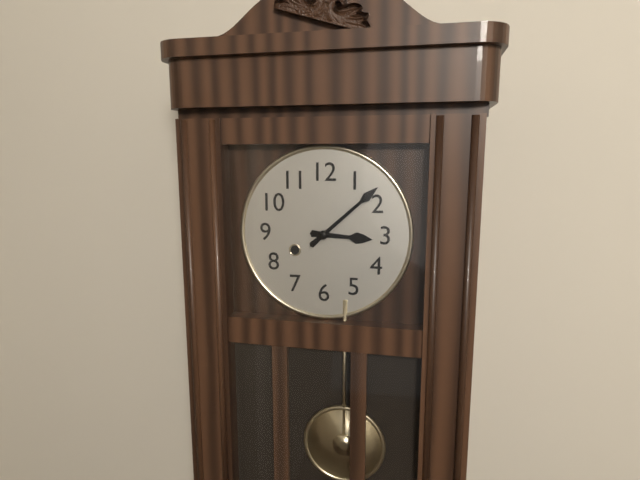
3:08
